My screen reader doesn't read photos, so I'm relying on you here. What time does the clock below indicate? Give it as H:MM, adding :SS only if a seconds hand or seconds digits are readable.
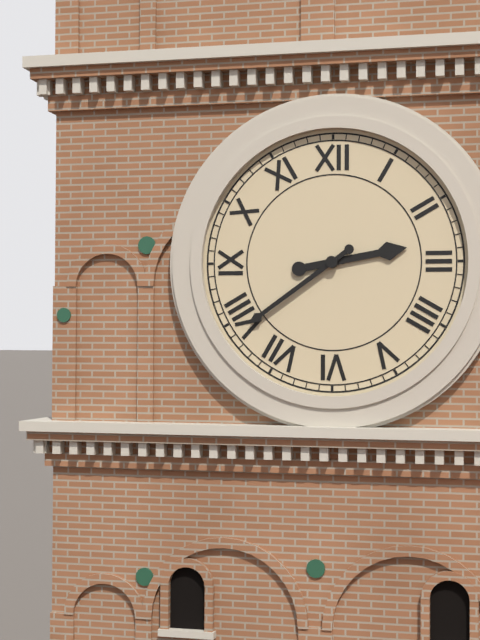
2:39
